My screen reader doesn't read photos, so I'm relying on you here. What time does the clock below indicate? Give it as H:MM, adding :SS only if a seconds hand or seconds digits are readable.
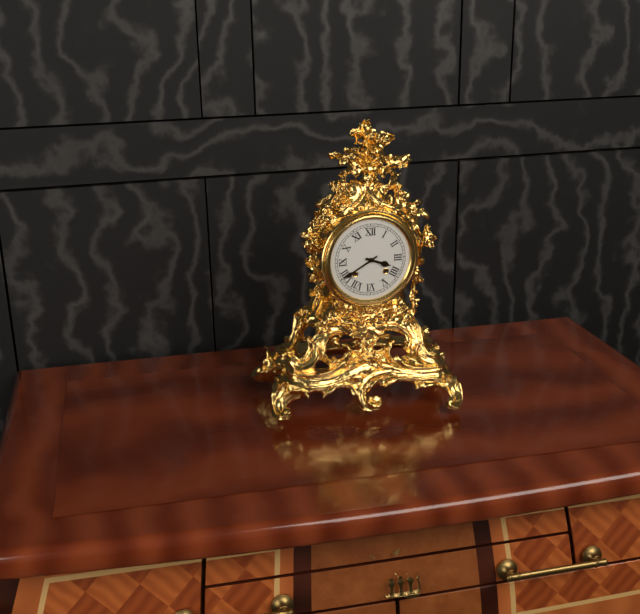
3:40
